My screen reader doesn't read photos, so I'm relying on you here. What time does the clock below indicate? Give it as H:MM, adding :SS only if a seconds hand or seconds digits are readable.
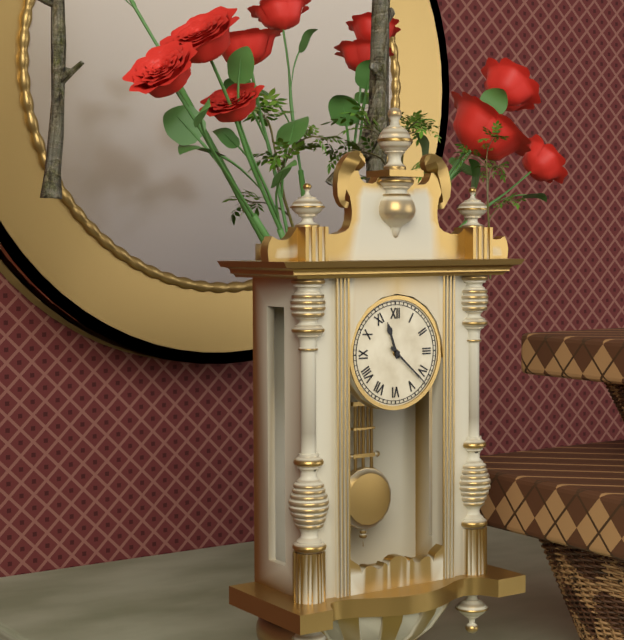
11:22
